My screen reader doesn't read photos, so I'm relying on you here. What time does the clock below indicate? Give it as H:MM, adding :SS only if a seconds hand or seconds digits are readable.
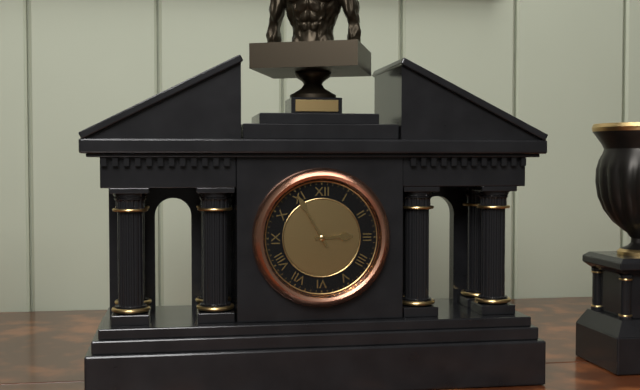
2:55
